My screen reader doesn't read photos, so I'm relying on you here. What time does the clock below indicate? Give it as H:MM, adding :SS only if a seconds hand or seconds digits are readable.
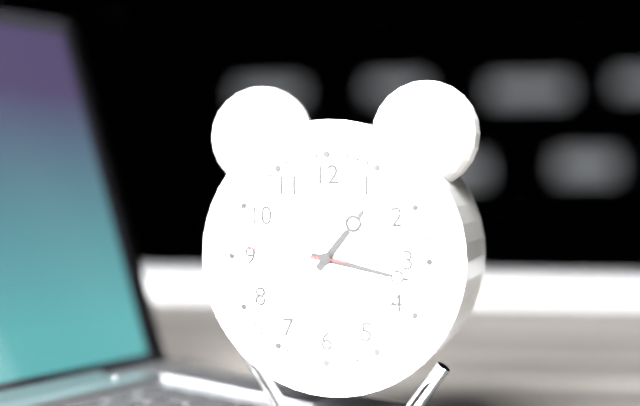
1:17:46
